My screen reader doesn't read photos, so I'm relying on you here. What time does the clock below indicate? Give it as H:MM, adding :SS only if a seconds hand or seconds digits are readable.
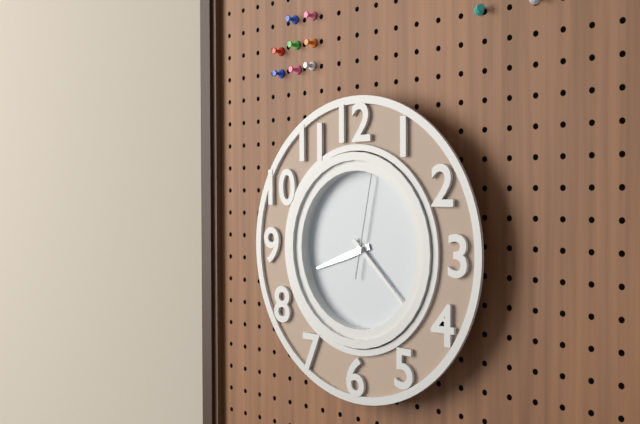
8:22:02
